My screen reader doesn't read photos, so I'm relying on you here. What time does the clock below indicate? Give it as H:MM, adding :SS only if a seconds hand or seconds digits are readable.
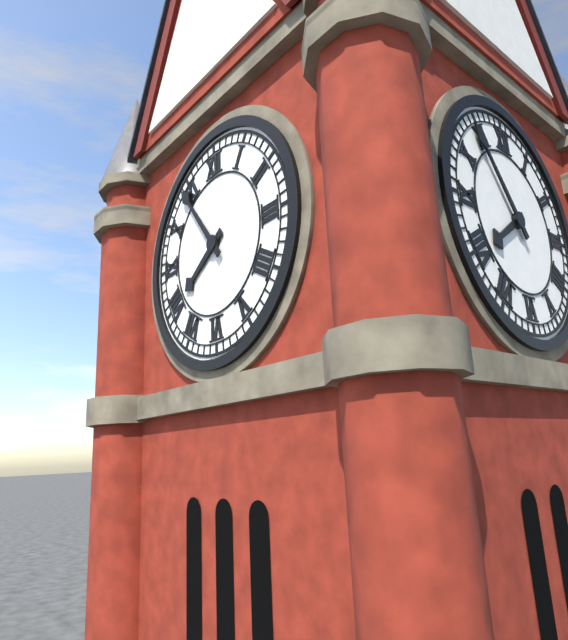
7:54
